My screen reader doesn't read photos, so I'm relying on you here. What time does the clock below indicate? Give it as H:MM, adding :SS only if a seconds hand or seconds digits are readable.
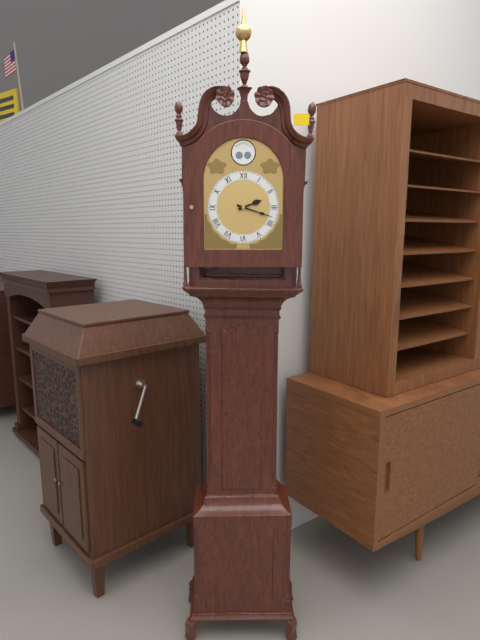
2:18
